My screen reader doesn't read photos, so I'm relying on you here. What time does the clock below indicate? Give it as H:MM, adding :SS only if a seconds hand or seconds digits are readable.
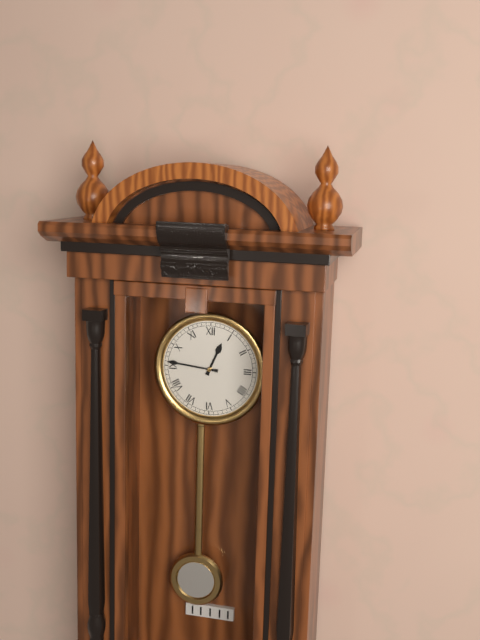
12:46
